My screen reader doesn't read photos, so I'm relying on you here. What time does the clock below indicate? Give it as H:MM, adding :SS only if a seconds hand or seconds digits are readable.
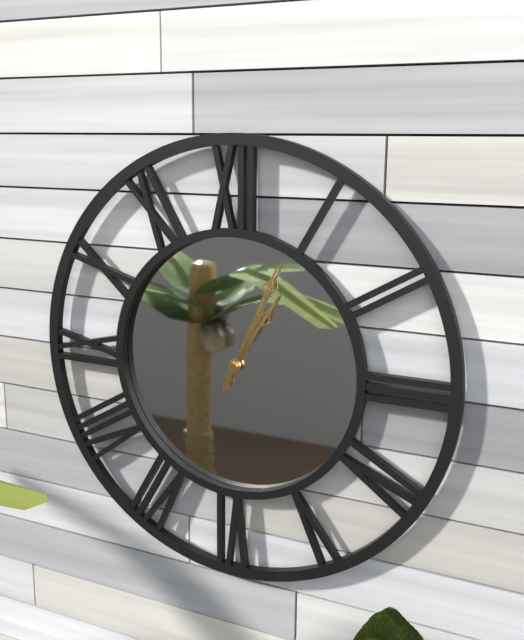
1:04
